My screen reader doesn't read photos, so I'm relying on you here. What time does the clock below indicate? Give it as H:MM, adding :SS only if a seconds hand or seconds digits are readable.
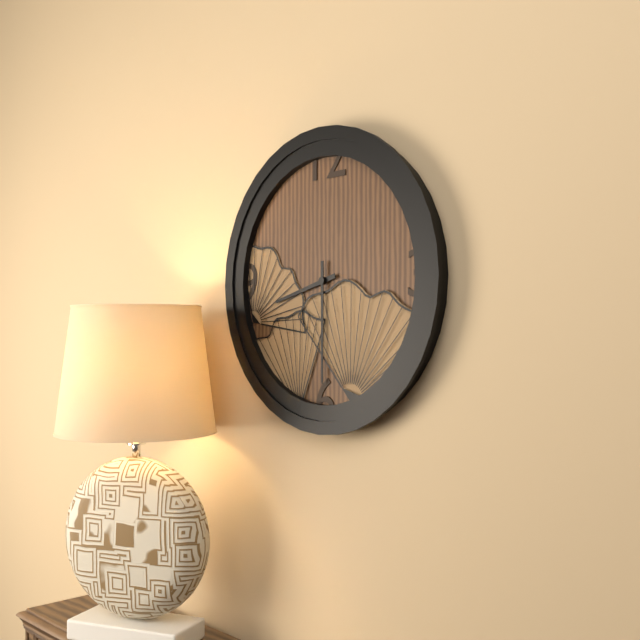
8:30
